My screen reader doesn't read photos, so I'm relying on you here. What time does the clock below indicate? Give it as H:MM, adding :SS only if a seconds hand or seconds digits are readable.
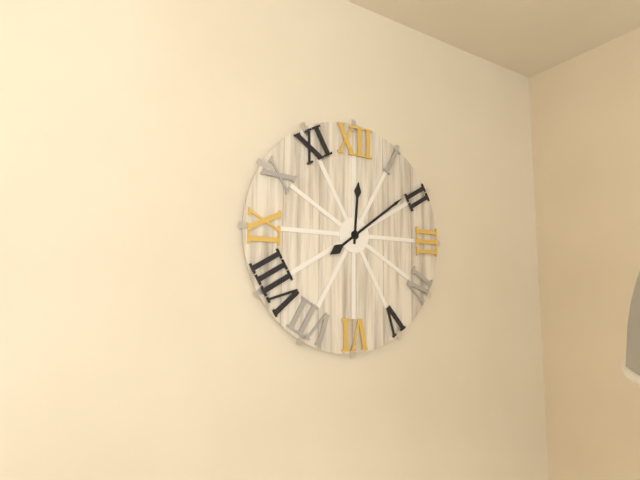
12:09
